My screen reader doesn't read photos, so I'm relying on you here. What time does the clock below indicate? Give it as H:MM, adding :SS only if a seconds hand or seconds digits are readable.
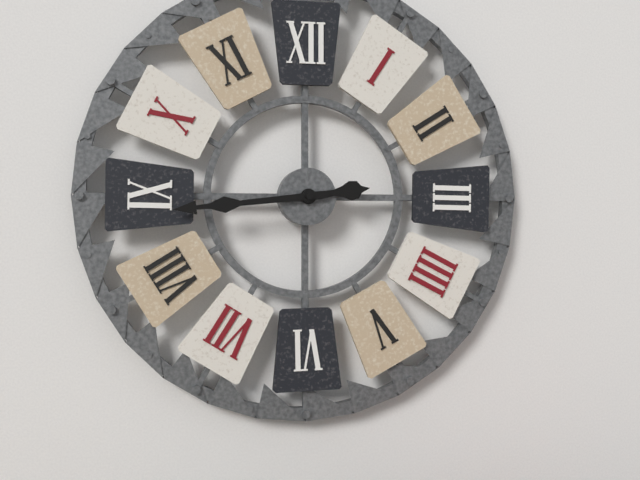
2:44
